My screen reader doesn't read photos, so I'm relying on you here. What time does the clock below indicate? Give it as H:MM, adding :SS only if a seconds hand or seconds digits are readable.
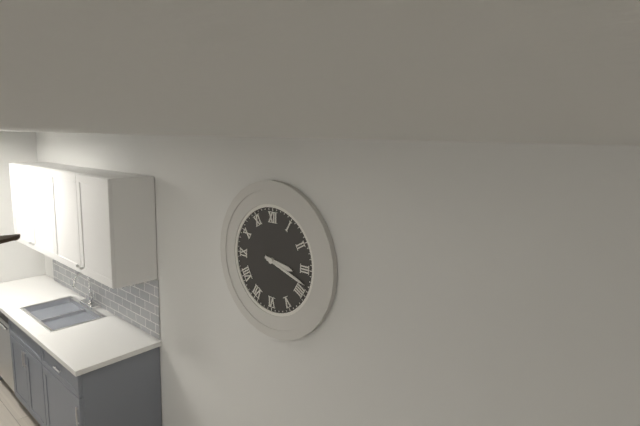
3:18
